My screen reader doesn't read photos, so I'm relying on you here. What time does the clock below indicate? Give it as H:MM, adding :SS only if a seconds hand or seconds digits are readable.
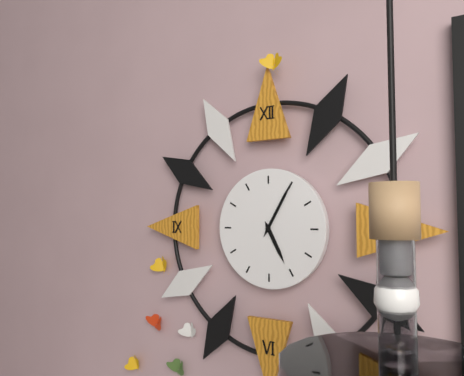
5:05
